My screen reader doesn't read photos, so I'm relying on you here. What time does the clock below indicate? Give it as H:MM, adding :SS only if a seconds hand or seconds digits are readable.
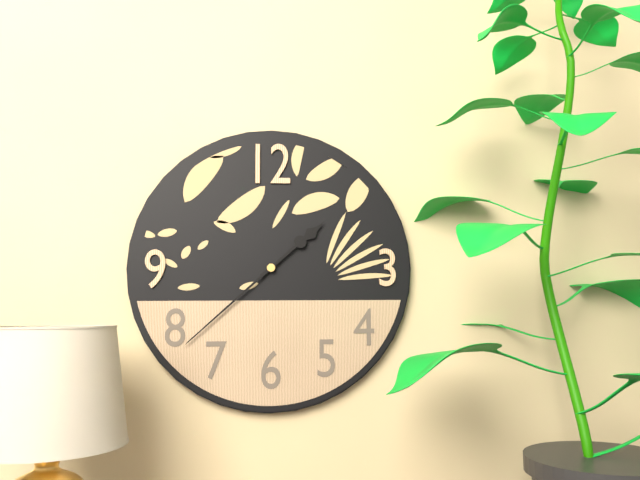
1:38
